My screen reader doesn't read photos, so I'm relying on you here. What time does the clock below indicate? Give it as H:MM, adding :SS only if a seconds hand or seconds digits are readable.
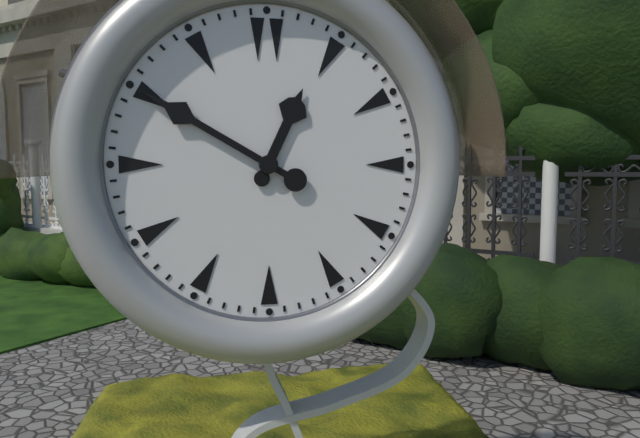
12:50
